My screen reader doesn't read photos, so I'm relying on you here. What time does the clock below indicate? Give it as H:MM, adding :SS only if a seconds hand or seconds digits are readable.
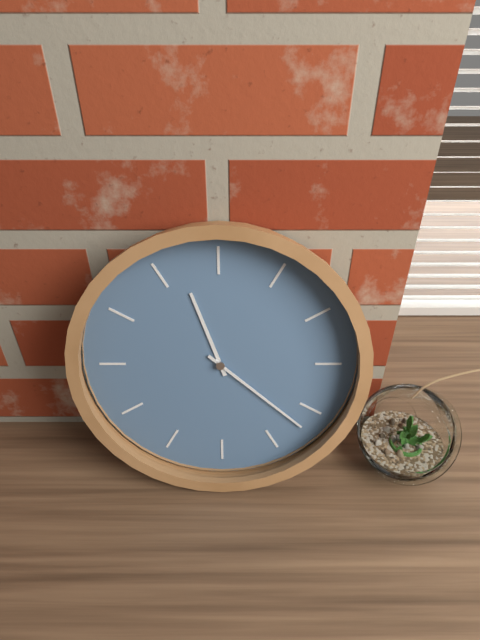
11:22
